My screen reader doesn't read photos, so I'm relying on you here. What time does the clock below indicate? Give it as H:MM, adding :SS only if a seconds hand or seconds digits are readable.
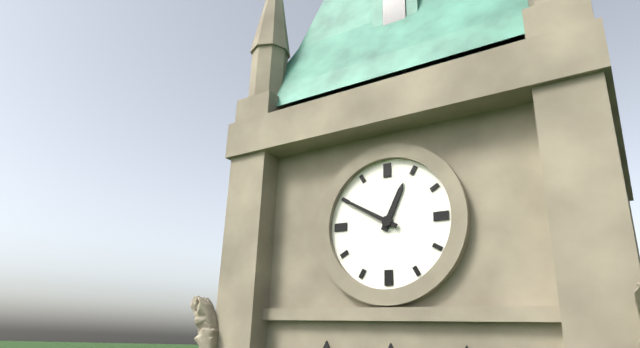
12:50
